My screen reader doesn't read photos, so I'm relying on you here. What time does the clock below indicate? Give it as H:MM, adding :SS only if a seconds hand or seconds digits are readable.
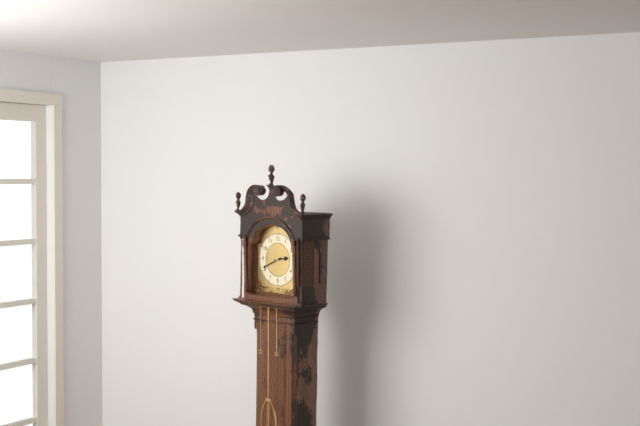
2:41
